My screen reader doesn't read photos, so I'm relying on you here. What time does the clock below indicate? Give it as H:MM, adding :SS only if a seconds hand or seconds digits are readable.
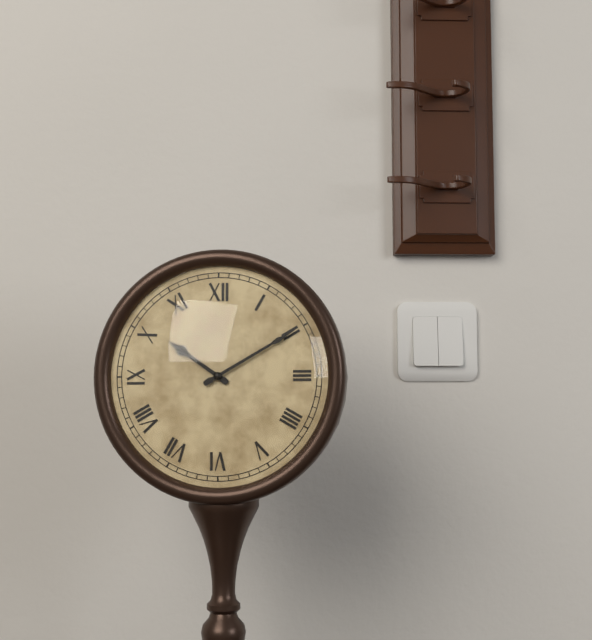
10:10
